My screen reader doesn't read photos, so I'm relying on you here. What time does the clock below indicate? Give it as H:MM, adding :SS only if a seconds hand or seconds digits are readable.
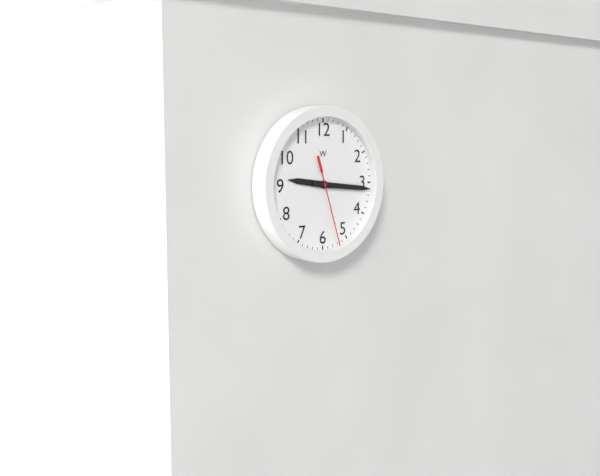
9:16:27
